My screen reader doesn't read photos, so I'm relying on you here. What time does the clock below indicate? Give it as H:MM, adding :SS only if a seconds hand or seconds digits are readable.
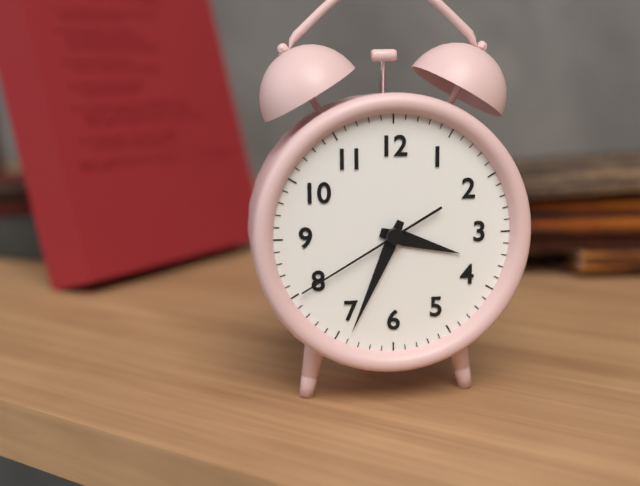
3:34:40
